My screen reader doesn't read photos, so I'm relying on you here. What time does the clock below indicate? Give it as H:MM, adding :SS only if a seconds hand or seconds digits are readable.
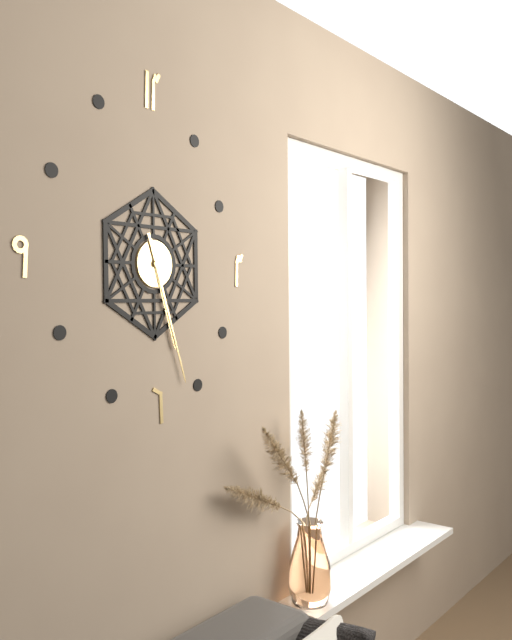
5:27
